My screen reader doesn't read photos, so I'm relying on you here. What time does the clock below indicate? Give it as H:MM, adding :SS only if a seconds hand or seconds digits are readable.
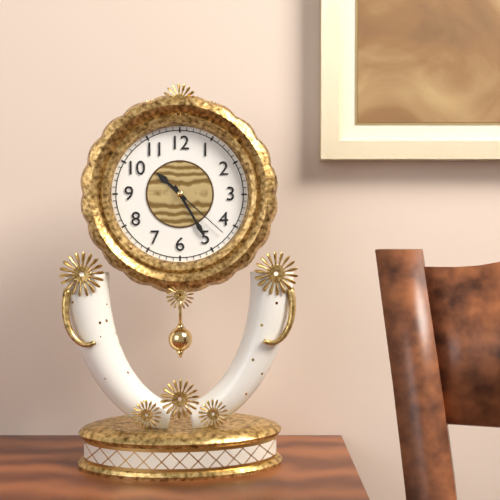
10:25:22
